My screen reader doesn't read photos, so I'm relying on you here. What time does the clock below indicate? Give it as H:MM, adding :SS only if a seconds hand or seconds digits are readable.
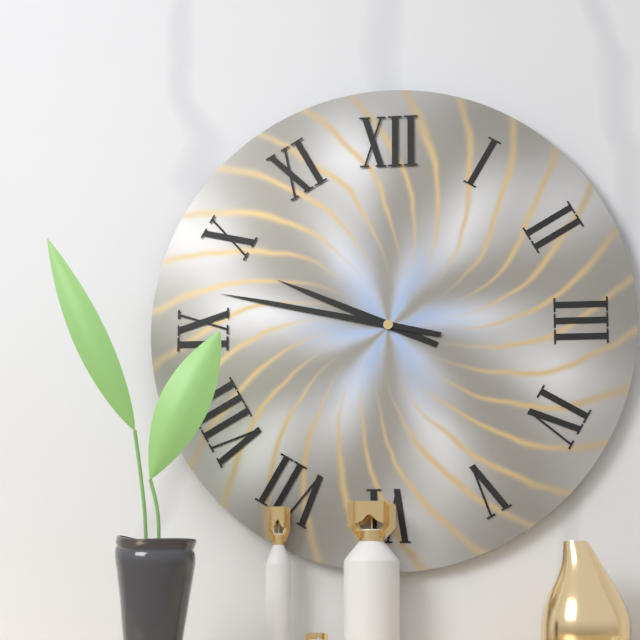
9:47
